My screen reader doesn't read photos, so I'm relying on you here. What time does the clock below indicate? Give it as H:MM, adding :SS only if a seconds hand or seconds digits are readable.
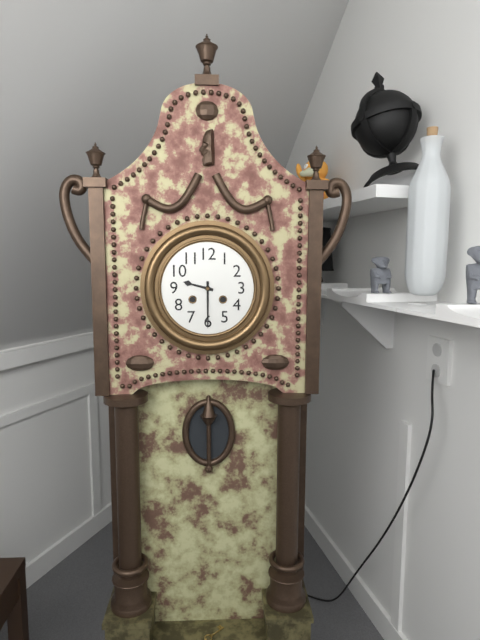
9:30
